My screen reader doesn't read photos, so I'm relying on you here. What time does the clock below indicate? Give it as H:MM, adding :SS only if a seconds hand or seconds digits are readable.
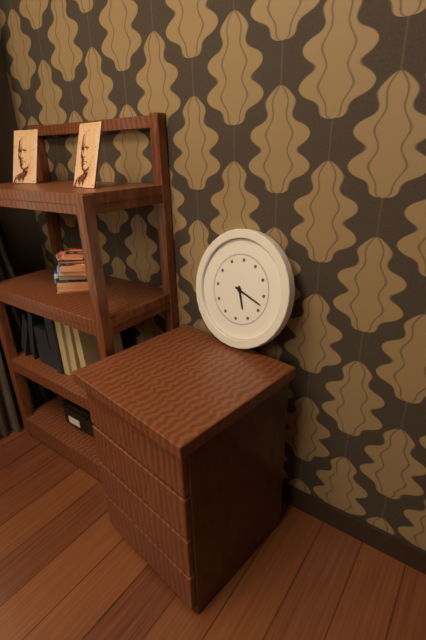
5:18
